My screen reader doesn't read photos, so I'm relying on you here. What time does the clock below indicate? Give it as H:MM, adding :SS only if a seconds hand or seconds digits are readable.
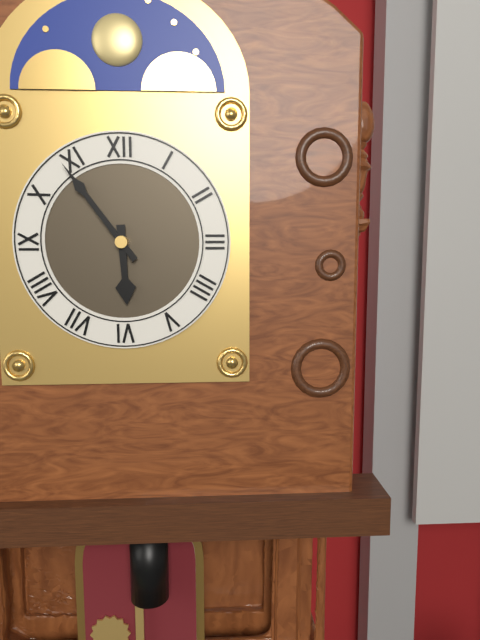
5:54
